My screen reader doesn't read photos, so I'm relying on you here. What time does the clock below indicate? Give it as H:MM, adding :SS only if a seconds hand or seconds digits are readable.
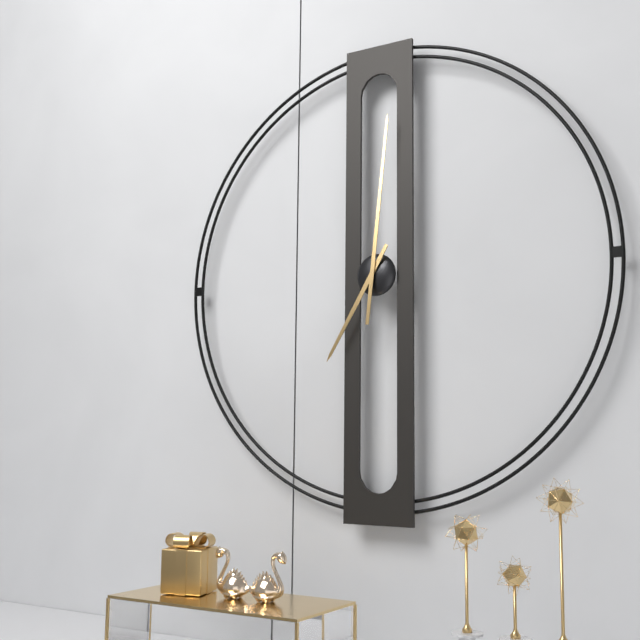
7:01
